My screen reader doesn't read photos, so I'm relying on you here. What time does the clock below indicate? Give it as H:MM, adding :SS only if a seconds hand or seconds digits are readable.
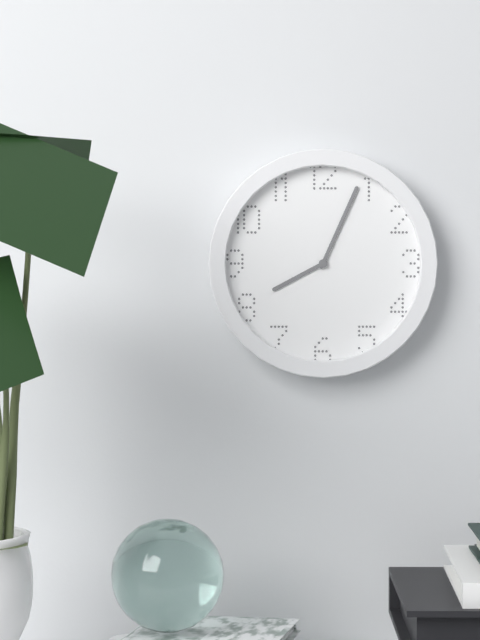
8:04
